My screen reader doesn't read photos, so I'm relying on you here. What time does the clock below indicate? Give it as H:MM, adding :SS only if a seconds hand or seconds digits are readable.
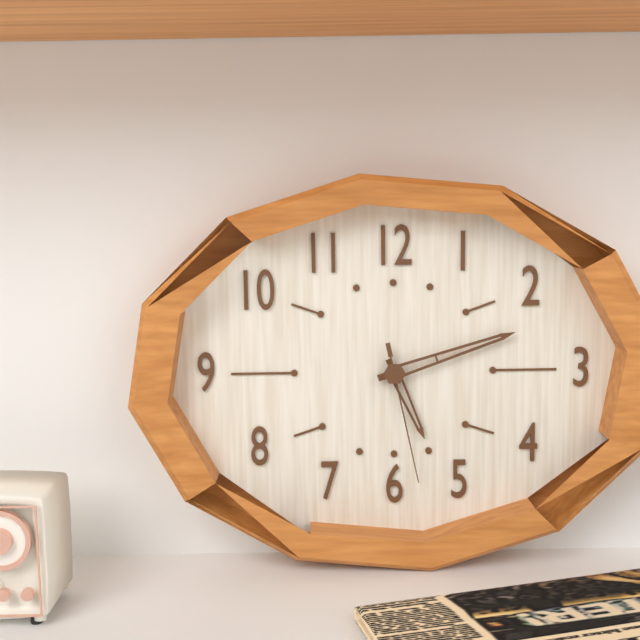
5:12:28
